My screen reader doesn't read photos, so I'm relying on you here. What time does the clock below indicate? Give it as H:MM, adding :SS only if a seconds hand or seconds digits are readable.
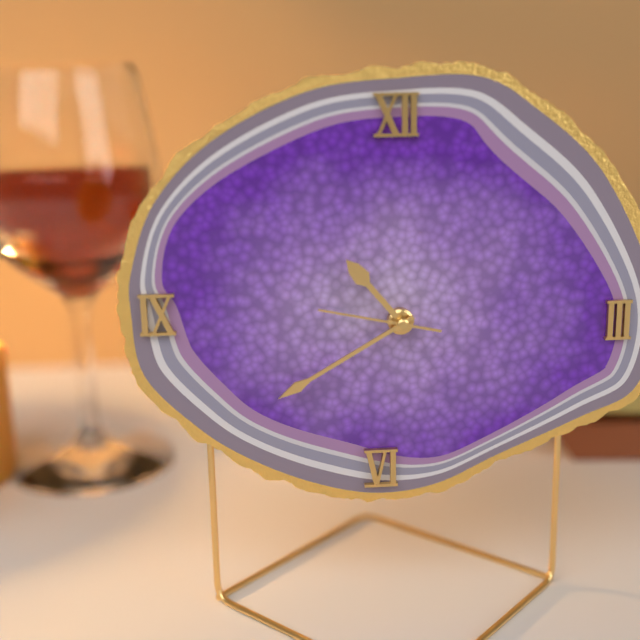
10:40:47
